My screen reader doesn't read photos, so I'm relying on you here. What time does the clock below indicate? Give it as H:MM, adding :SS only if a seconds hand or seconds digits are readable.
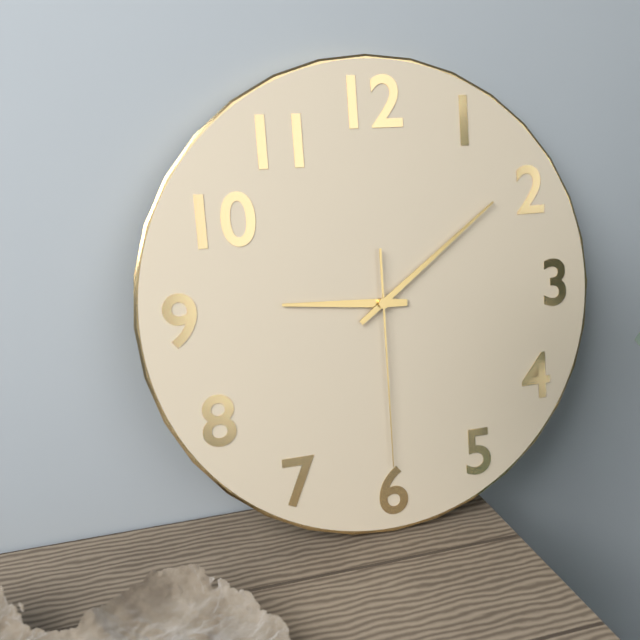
9:09:30
